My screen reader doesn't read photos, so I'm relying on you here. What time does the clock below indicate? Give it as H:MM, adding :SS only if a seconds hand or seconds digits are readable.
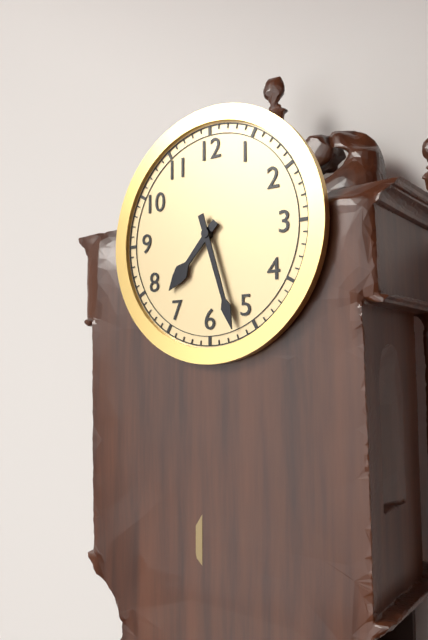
7:27
